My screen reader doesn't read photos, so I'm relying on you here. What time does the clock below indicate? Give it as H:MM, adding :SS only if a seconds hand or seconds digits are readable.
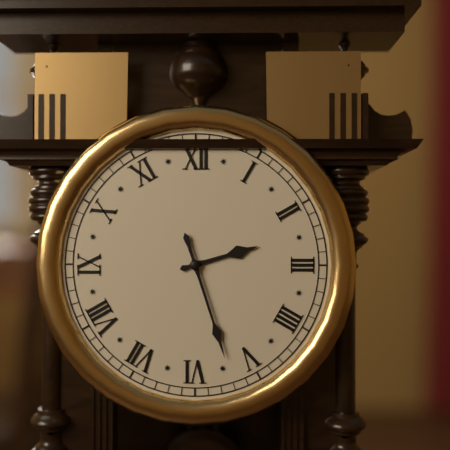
2:27
